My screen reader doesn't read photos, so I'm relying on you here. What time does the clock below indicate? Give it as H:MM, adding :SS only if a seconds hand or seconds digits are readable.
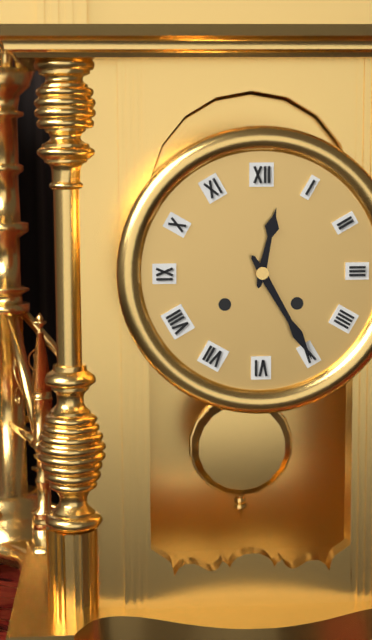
12:25
